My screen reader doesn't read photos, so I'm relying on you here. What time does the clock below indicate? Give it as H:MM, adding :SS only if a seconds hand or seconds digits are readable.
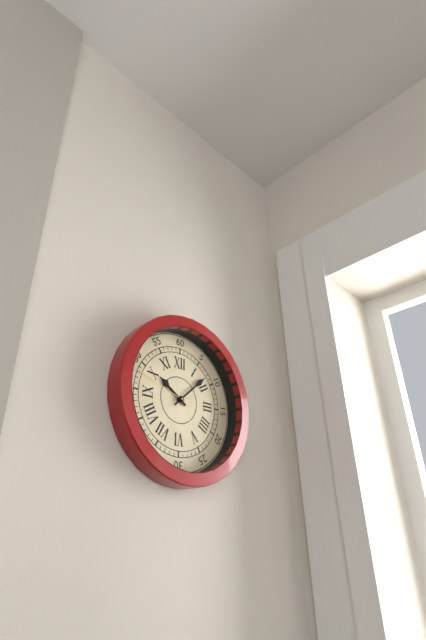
10:08:48
